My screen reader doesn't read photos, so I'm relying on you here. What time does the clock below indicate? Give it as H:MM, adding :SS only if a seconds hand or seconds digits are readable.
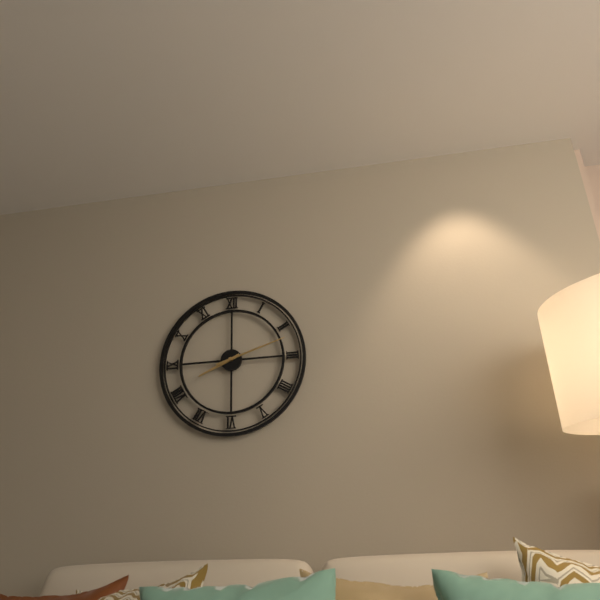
8:12
